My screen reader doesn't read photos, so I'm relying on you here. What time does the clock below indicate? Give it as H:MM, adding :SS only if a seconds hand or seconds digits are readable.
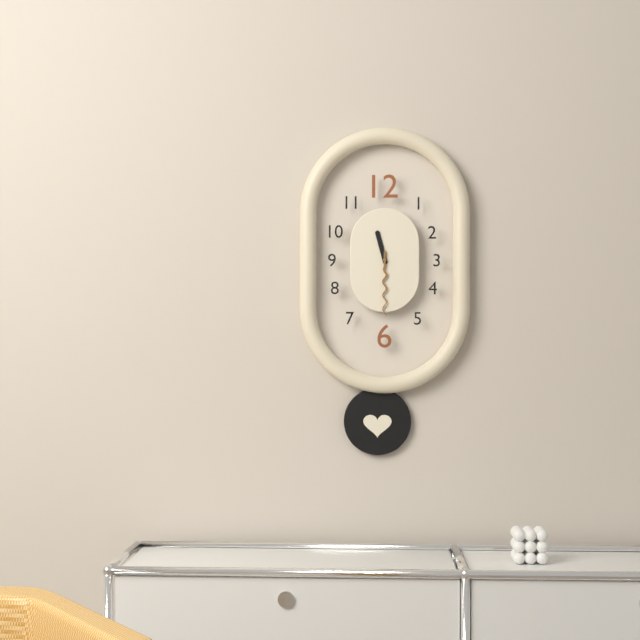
11:30
